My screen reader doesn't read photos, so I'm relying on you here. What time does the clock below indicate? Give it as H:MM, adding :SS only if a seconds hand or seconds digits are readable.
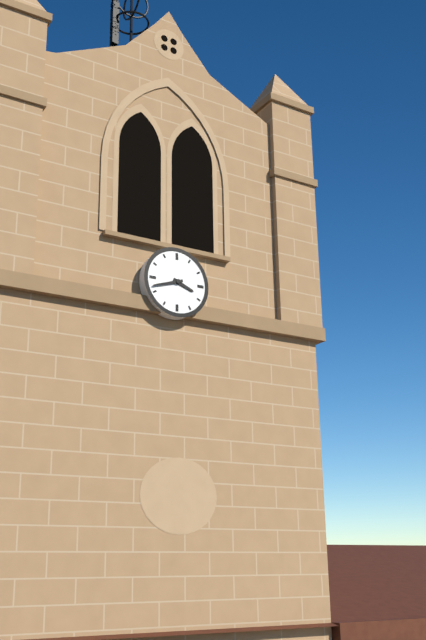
3:42
